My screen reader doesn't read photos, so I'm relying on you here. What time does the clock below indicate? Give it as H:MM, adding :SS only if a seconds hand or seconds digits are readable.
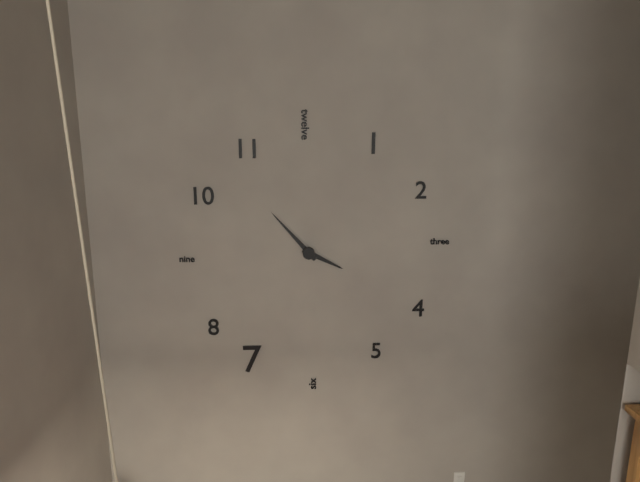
3:53
